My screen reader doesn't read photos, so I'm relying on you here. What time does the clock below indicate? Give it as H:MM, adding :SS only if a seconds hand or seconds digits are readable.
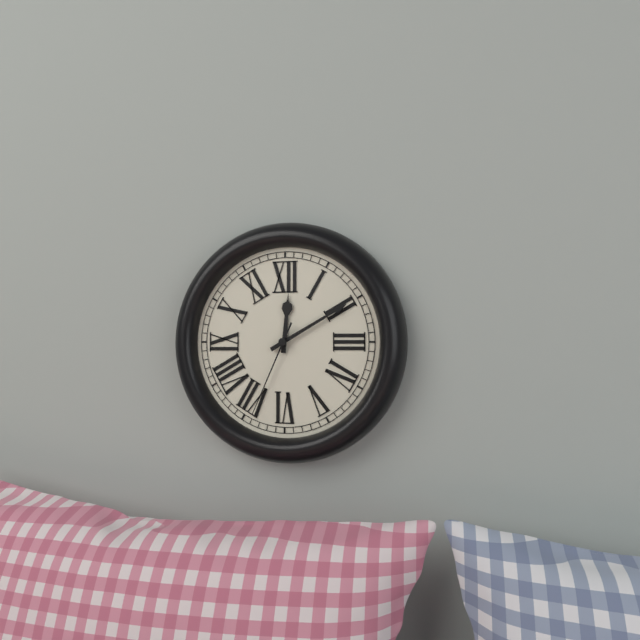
12:10:34
